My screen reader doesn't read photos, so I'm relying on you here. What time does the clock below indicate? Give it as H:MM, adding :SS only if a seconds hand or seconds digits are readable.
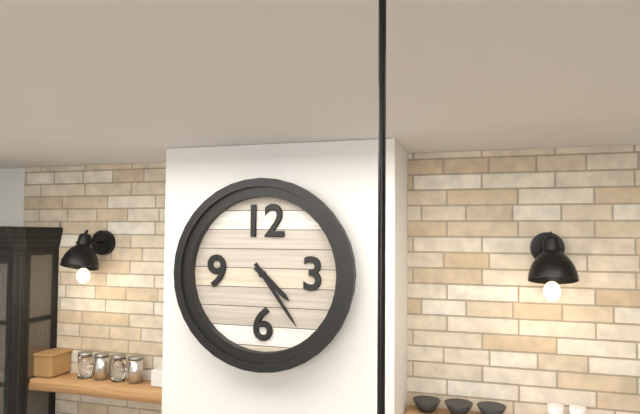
4:24
